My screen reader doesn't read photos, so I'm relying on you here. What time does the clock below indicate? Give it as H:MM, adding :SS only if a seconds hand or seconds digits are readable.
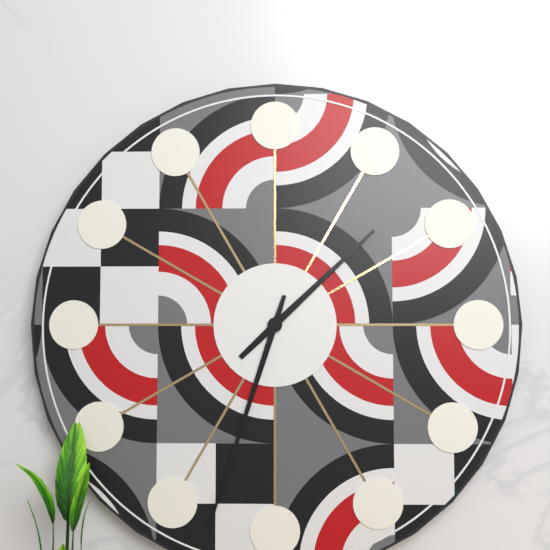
1:33
